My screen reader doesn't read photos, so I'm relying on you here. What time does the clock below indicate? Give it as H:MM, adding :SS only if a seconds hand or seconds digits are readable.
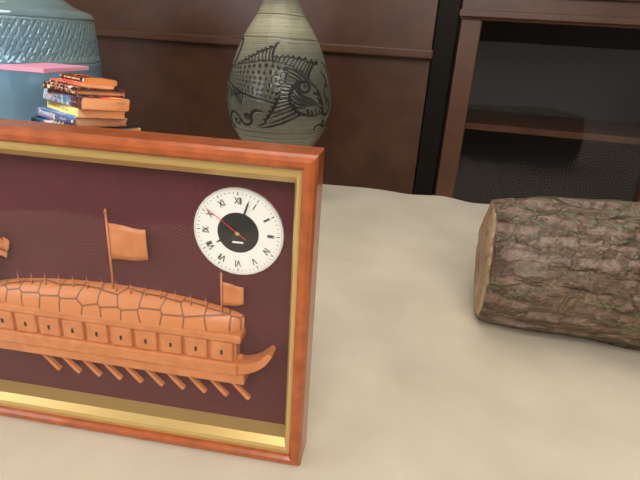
8:03:51
